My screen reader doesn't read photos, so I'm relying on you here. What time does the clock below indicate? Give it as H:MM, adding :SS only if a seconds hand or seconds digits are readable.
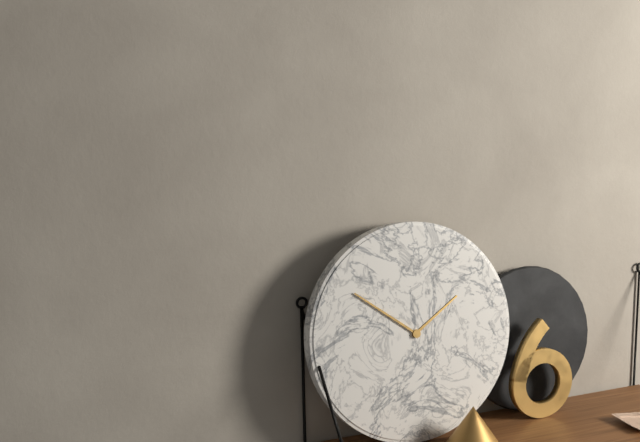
1:51
